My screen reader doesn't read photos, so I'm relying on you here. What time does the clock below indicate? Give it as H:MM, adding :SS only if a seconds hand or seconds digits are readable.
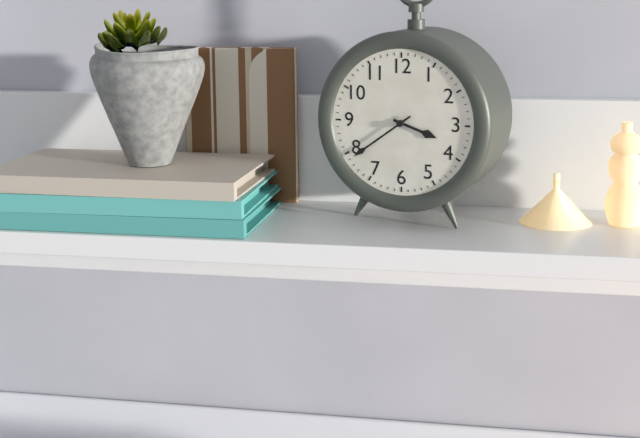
3:39
